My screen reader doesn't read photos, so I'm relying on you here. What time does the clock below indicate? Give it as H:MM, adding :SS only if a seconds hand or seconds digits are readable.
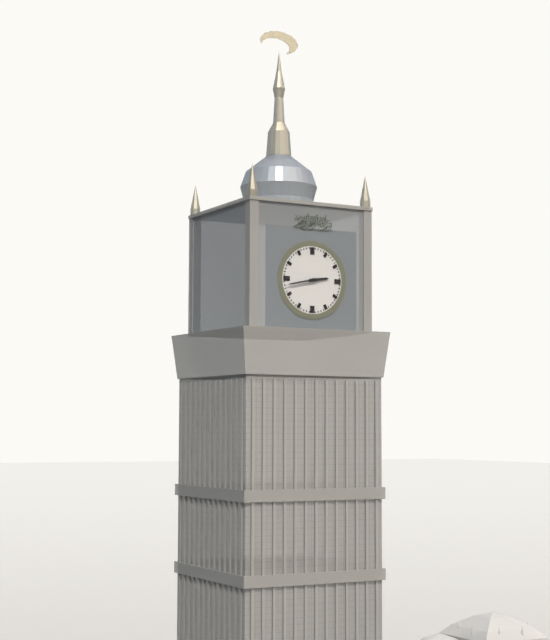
2:43
